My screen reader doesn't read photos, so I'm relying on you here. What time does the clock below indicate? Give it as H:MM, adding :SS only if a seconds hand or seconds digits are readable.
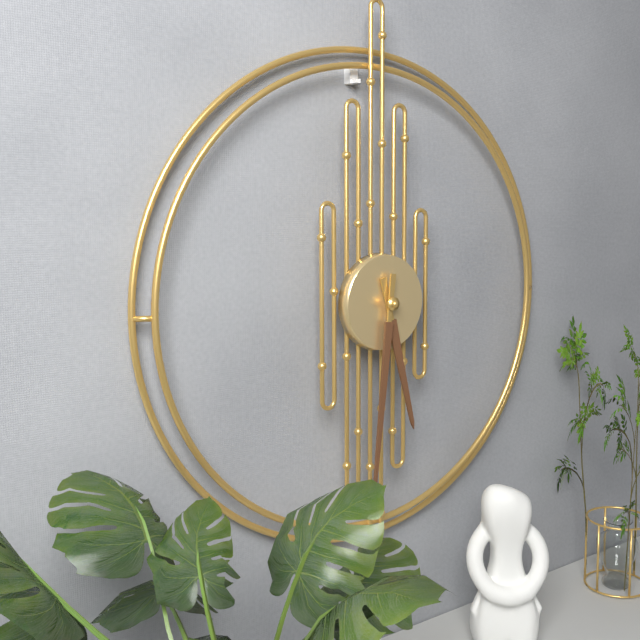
5:31
